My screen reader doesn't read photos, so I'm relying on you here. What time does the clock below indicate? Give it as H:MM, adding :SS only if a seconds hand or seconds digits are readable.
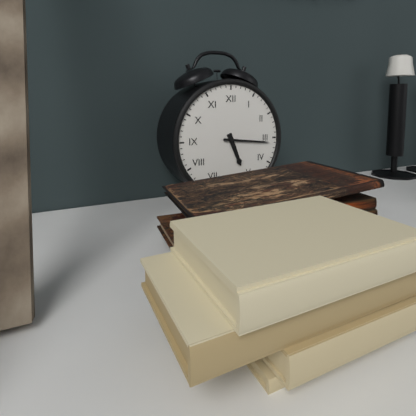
5:16
